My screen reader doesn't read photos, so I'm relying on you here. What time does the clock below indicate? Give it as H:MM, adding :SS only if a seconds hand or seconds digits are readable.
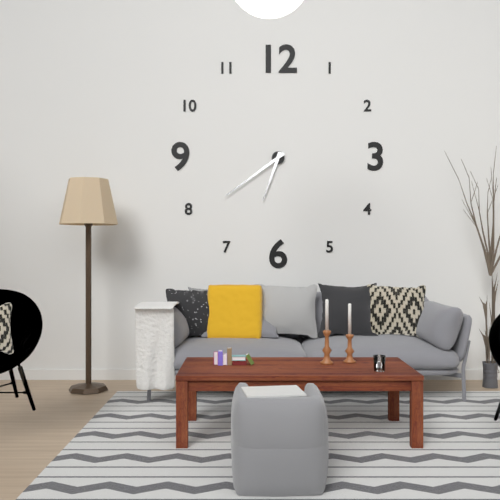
6:39
